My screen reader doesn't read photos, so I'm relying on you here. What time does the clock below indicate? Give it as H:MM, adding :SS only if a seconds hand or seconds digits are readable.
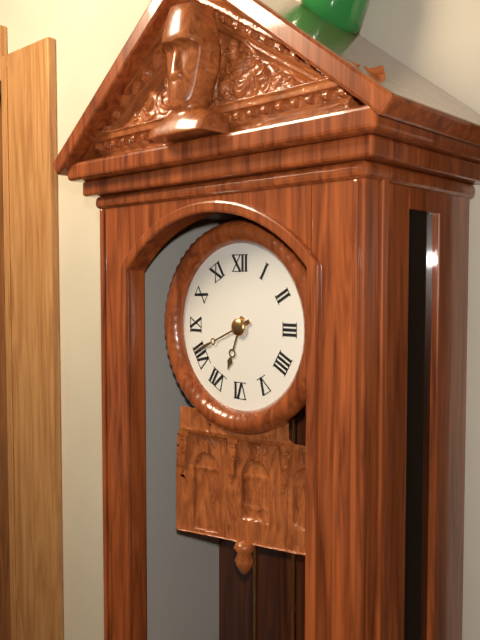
6:41
